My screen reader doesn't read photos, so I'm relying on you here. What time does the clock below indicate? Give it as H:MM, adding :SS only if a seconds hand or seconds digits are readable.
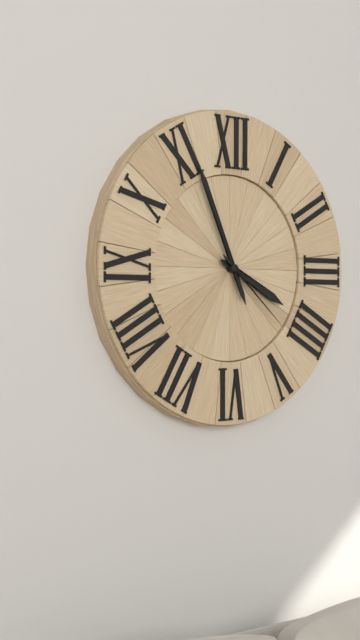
3:56:22
